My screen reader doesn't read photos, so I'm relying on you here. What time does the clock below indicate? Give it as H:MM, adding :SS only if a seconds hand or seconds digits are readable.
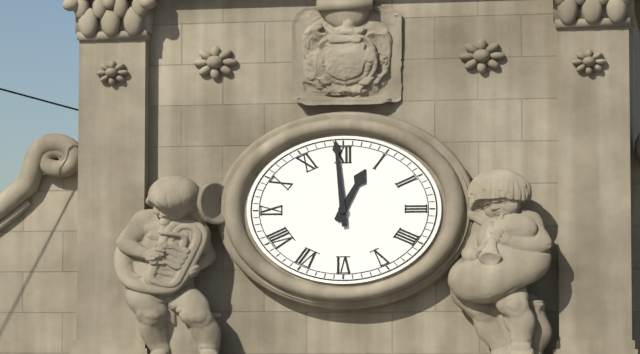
12:59
